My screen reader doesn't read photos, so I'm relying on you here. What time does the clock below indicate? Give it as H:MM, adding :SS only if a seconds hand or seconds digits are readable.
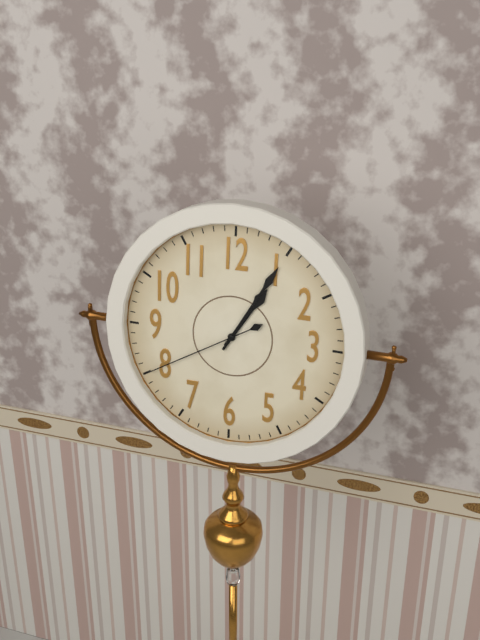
1:05:40
